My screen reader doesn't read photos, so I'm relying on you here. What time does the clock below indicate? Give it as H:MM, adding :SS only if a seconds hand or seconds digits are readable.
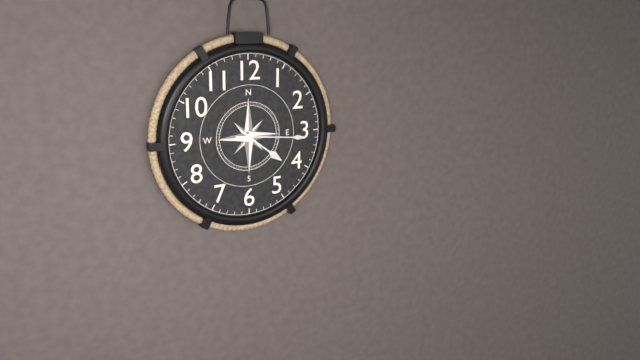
4:16
